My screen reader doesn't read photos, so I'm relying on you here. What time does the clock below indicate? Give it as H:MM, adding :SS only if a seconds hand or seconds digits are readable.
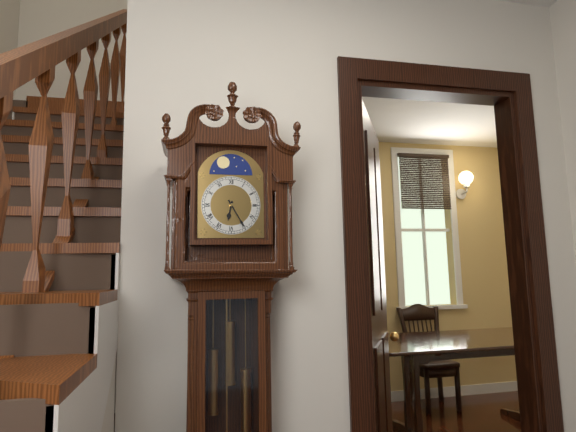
6:25
